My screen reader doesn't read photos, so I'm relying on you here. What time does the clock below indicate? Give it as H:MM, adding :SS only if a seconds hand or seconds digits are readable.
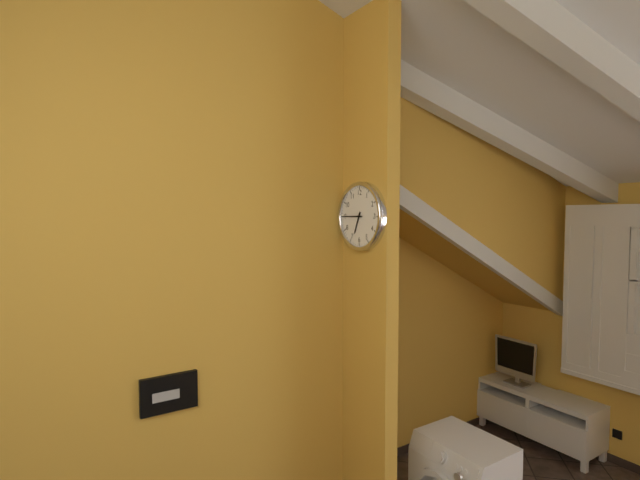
6:45
